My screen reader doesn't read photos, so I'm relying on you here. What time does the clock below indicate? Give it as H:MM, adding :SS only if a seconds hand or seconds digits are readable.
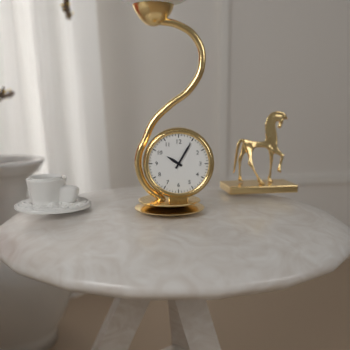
10:05
